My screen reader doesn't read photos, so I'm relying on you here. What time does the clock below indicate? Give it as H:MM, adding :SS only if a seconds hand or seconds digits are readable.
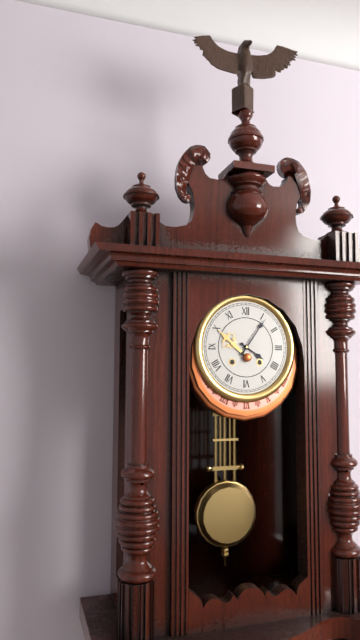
4:06
